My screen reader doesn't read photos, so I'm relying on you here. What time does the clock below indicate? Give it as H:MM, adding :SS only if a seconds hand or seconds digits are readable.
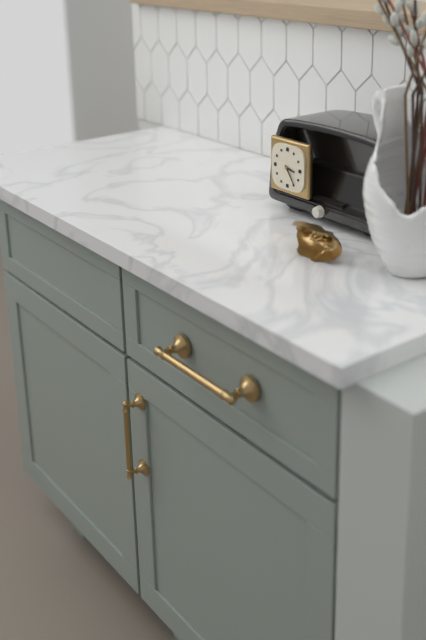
3:24
